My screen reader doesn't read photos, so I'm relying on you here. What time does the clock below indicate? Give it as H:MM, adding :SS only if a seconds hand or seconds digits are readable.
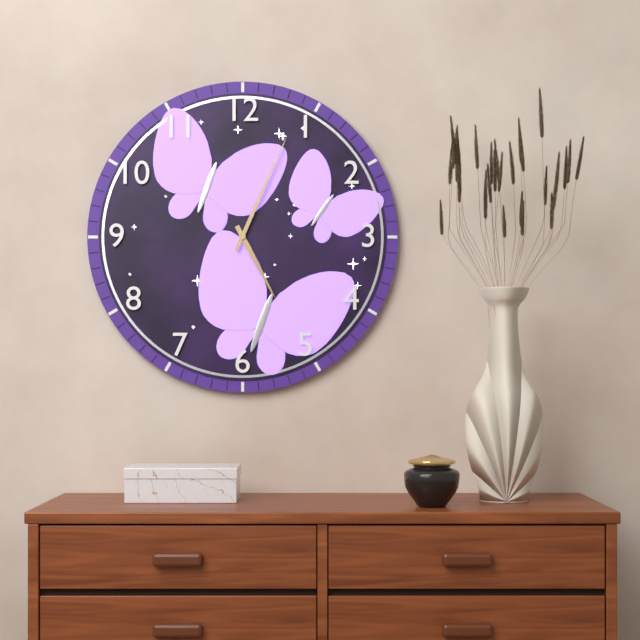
5:04
